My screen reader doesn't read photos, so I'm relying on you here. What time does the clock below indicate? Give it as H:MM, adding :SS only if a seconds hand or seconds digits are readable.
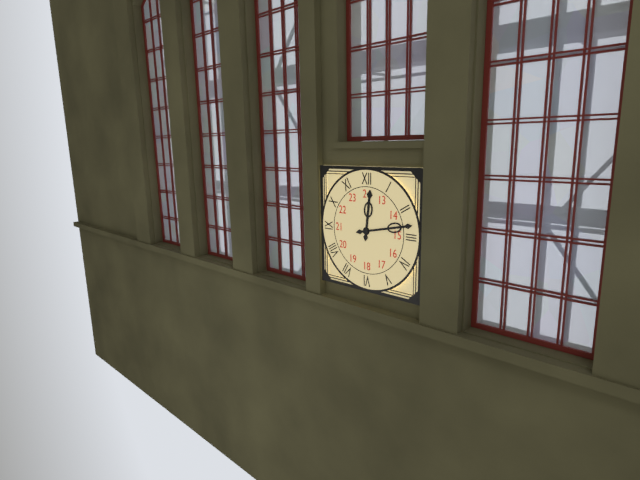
12:13
